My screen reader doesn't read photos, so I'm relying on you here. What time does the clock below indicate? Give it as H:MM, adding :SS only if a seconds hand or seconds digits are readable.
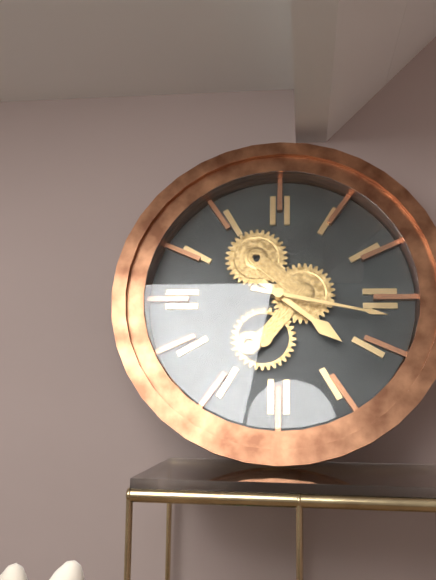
4:17
